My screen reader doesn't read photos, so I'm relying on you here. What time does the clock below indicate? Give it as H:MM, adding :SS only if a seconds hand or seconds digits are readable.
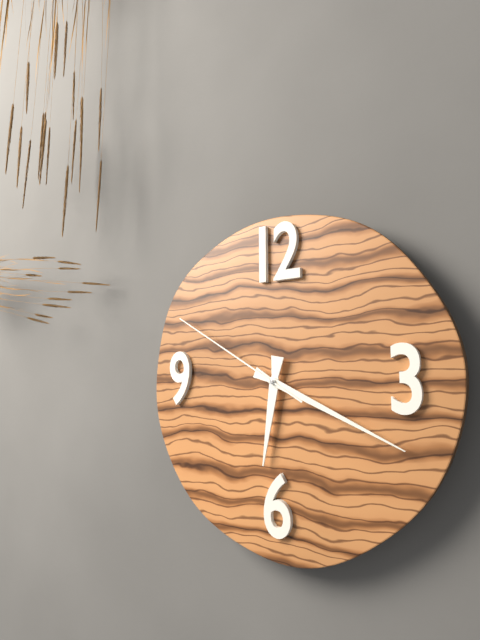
6:19:50
